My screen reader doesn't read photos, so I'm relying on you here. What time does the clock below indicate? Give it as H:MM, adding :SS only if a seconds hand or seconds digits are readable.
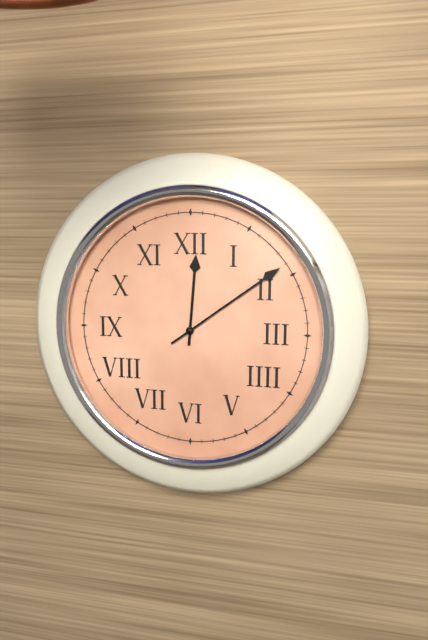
12:09
